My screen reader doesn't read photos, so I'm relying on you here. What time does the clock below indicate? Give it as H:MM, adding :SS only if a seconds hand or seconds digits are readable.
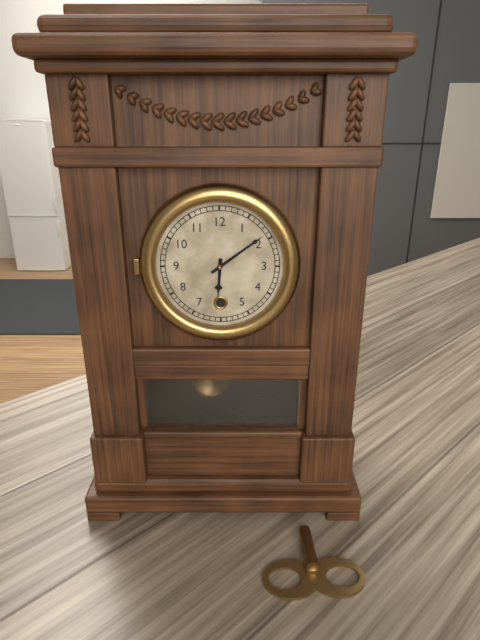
6:09
